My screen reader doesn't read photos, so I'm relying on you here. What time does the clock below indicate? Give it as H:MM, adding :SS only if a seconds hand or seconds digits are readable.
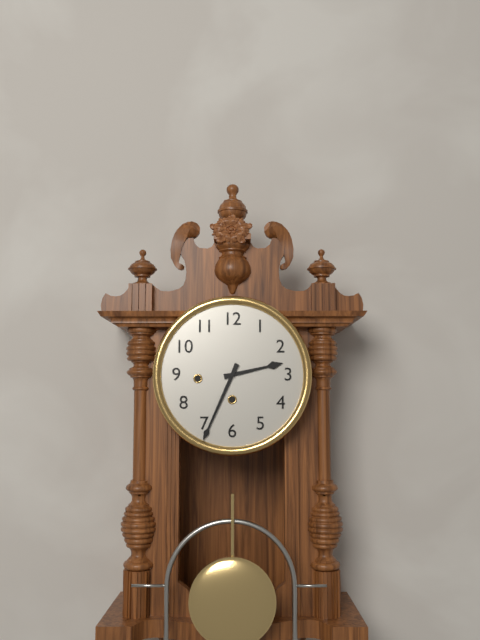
2:34
